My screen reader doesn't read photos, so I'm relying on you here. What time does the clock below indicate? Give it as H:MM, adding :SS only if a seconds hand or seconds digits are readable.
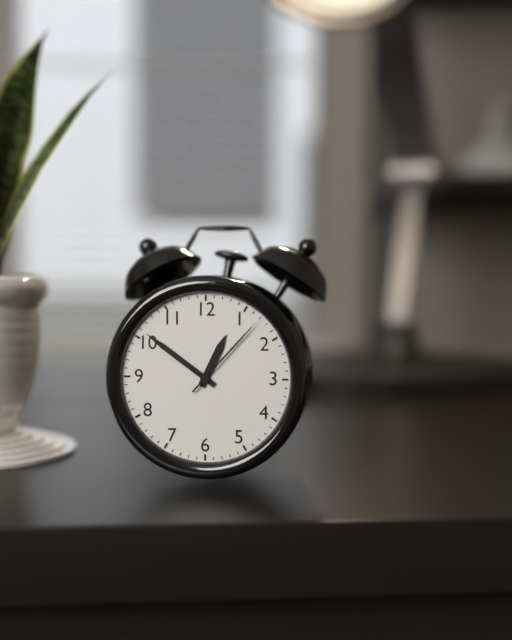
12:51:07
